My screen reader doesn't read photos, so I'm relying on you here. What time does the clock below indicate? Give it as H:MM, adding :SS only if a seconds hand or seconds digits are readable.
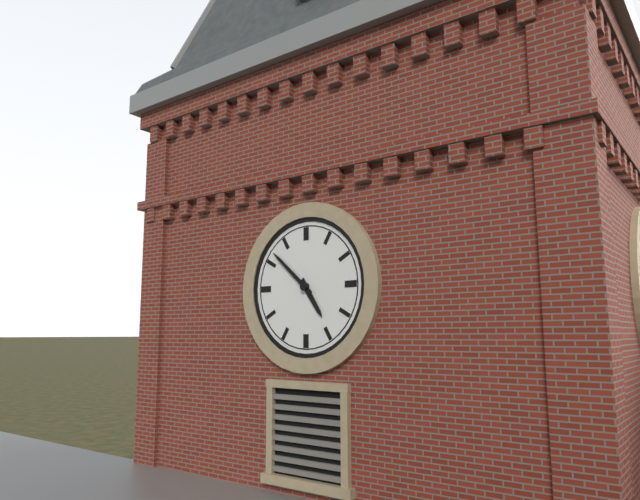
4:52
